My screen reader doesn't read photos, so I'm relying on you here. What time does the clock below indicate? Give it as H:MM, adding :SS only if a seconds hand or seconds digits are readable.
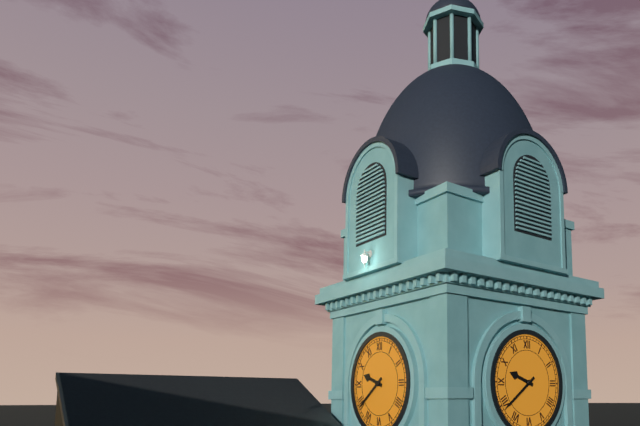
9:39
